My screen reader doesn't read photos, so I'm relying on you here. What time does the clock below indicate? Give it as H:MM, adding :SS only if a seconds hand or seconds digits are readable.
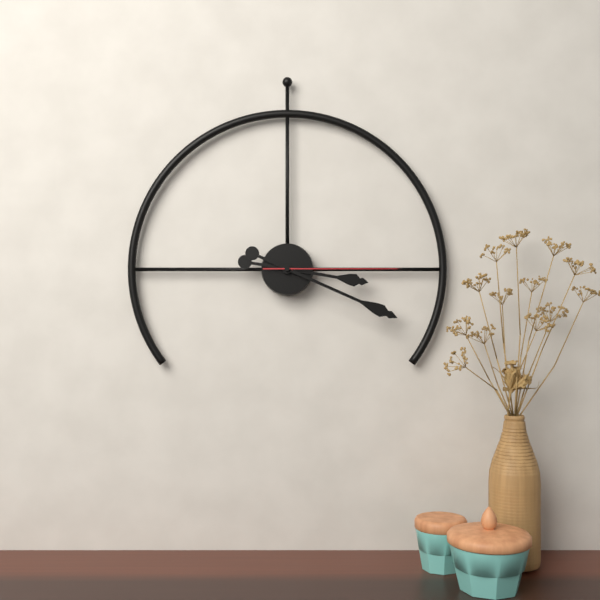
3:19:15
